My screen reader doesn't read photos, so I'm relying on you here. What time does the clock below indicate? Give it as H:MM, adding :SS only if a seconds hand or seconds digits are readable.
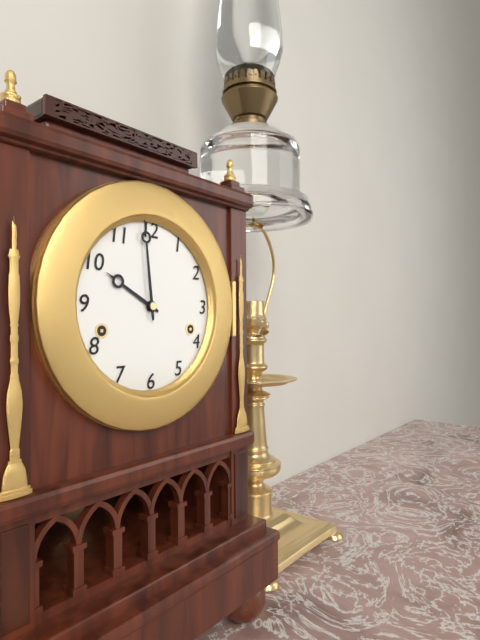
9:59
